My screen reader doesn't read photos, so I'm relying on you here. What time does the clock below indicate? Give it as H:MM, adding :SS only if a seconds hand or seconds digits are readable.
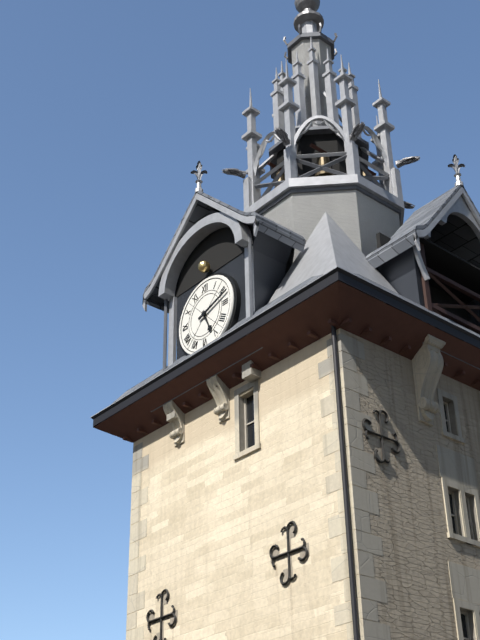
5:12
